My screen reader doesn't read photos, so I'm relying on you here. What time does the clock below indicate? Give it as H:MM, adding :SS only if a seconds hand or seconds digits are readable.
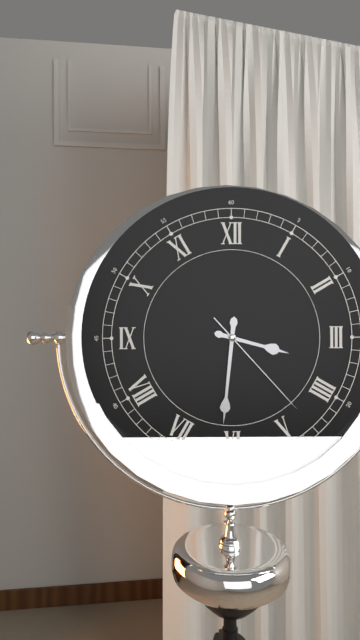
3:31:23
